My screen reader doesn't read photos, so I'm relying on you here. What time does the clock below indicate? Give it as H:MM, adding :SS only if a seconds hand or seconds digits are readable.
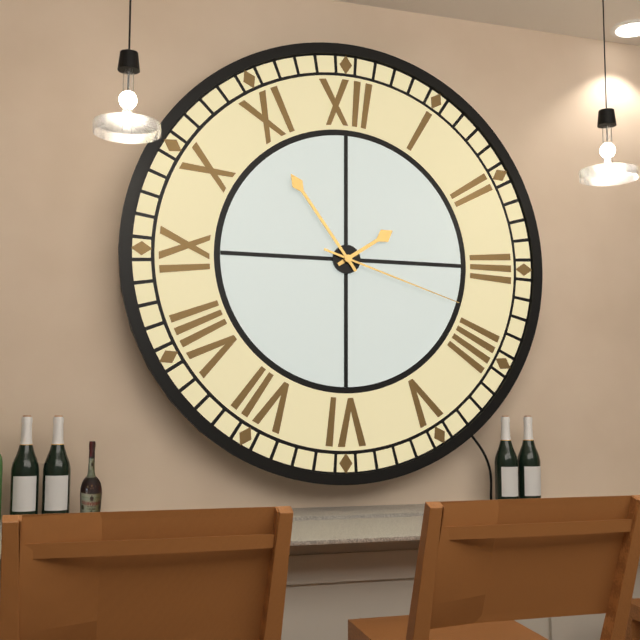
1:54:18
